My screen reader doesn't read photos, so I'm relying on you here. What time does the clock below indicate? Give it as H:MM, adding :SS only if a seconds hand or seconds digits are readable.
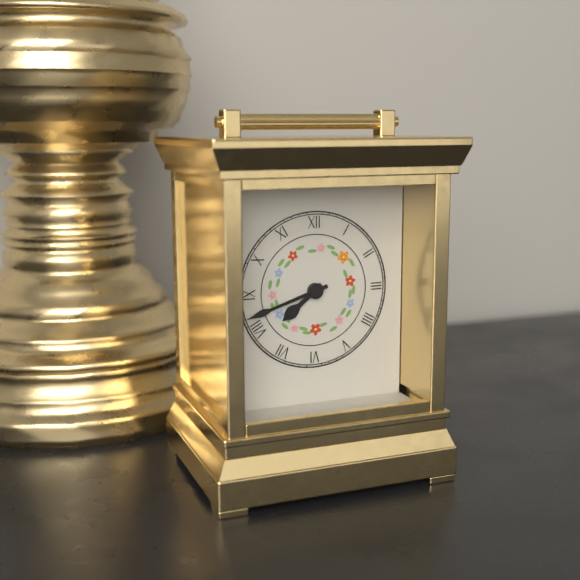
7:42
